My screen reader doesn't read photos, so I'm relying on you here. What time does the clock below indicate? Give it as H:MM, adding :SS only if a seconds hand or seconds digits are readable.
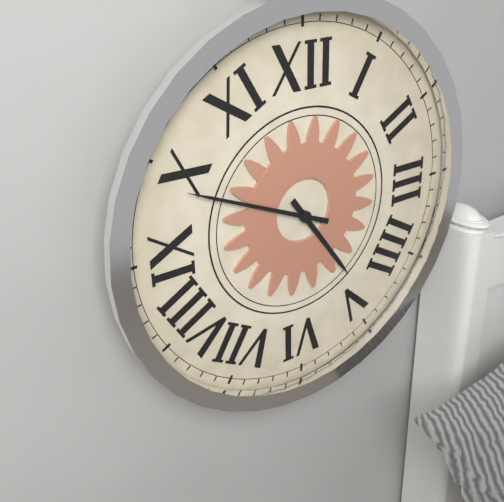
4:49
